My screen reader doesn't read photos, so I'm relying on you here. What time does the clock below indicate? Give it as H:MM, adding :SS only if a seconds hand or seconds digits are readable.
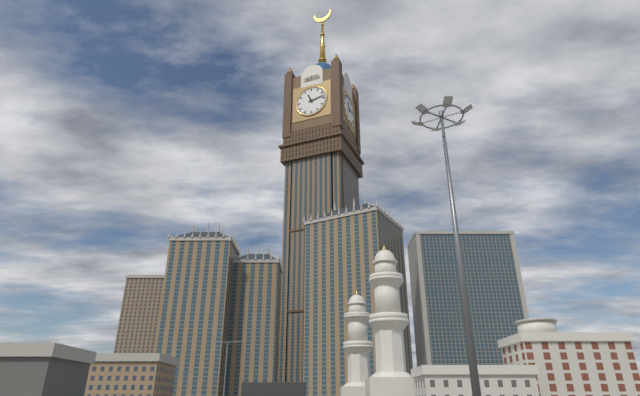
11:13
